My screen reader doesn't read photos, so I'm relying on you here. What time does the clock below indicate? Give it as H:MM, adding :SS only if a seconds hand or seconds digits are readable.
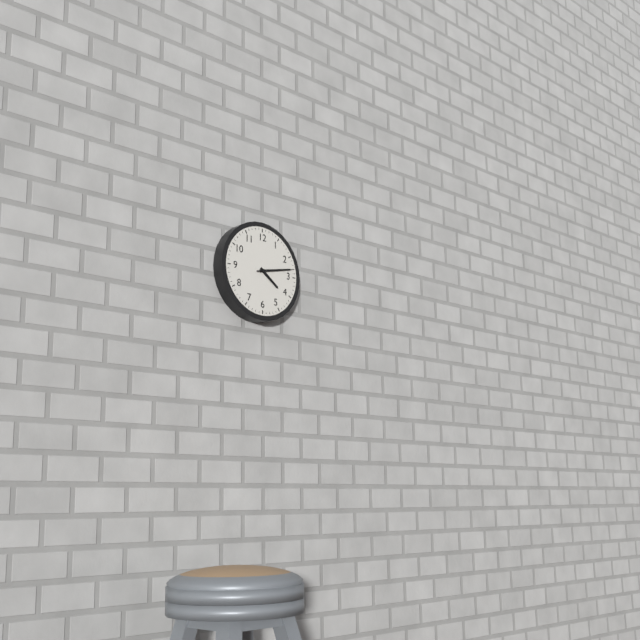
4:13
